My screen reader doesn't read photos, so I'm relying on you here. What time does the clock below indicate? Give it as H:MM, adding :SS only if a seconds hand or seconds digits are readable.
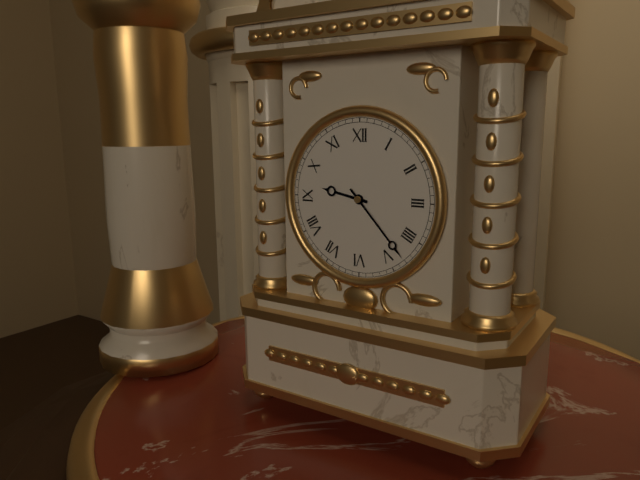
9:23
